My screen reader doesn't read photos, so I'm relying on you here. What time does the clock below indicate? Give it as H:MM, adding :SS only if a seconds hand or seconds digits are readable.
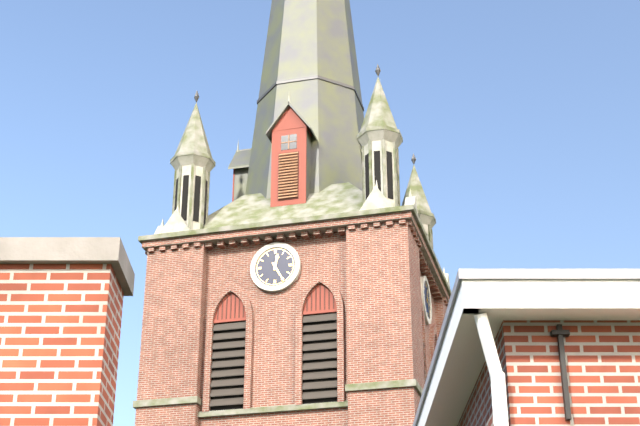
12:25
